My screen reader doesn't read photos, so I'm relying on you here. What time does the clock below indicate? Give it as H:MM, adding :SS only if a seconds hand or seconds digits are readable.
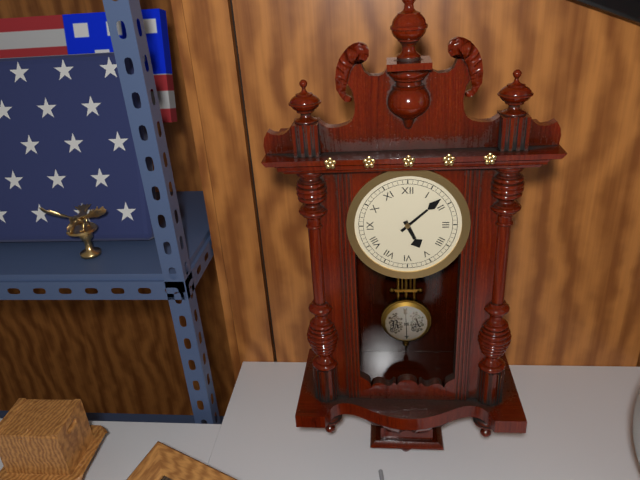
5:08
